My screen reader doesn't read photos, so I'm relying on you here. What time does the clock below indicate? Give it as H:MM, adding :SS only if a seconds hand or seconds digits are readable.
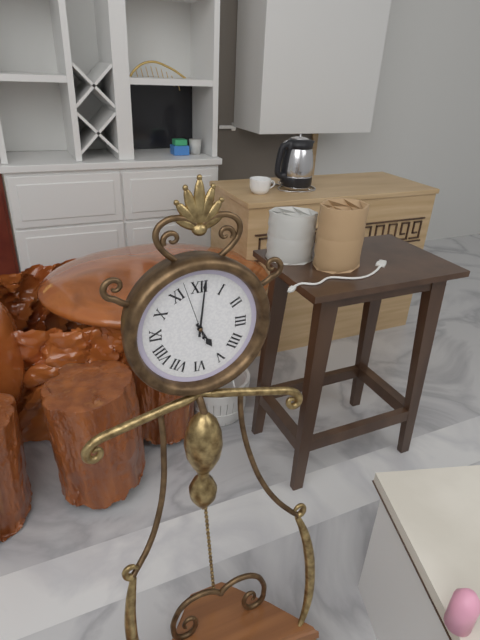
5:01:57
